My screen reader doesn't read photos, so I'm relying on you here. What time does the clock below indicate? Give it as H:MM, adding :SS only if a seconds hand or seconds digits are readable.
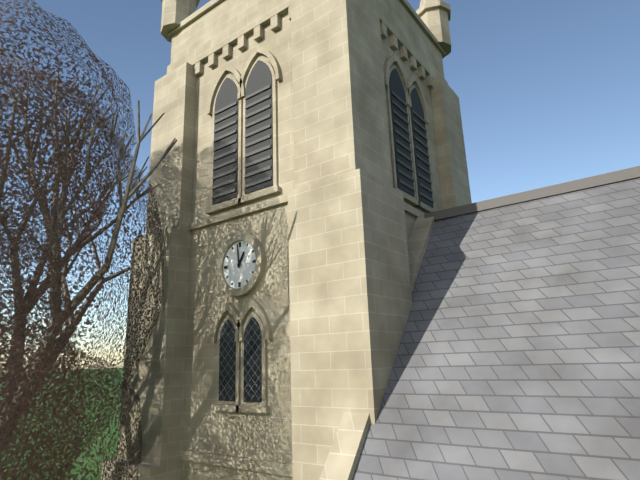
12:59
